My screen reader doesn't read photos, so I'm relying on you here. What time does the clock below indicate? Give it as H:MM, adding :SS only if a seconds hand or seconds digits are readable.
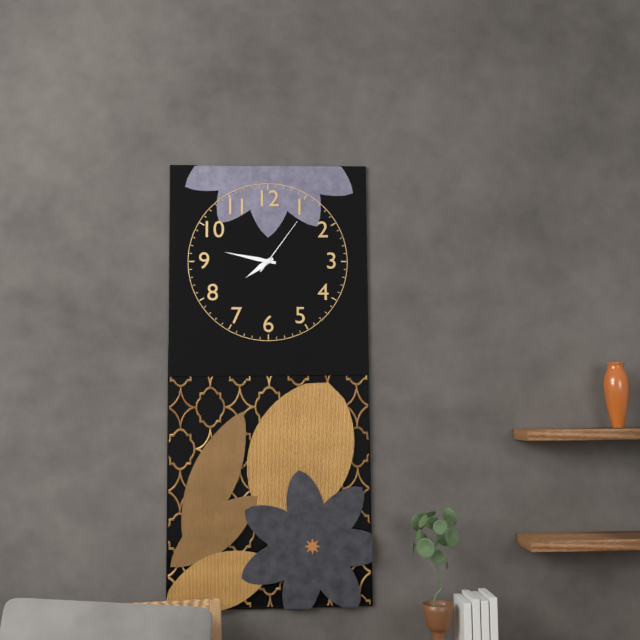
7:47:06
